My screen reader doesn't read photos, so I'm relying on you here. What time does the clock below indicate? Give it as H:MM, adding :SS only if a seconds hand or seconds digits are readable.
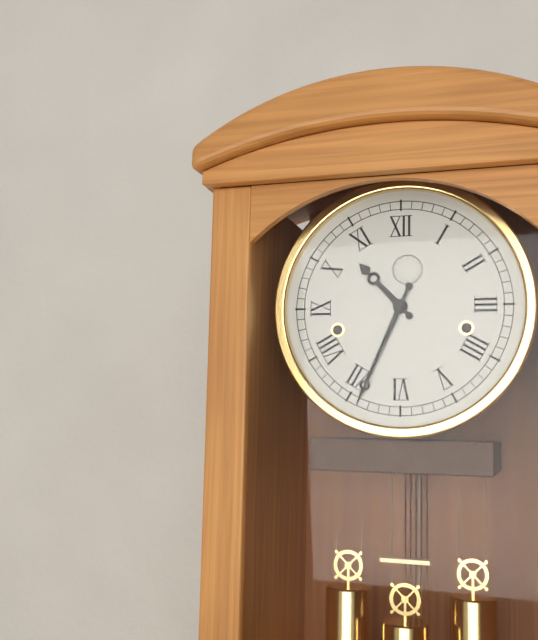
10:34
